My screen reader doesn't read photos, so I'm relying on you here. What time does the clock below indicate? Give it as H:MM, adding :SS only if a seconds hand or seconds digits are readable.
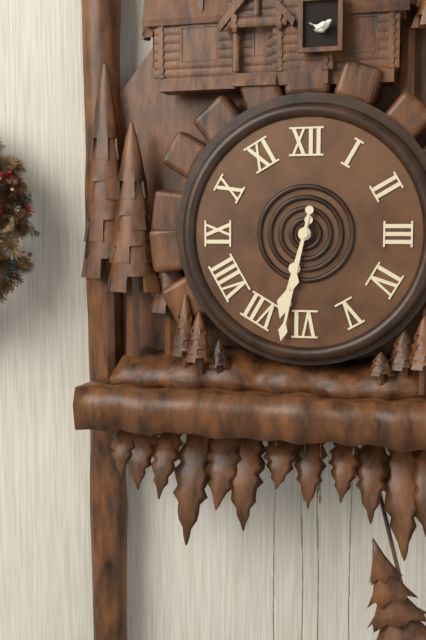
6:32
